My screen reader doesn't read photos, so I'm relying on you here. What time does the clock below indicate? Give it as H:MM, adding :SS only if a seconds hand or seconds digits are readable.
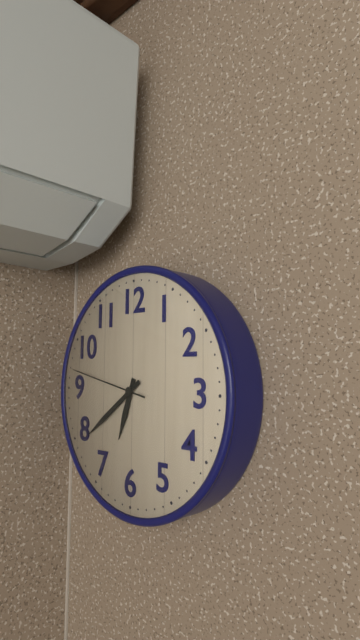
6:39:47
